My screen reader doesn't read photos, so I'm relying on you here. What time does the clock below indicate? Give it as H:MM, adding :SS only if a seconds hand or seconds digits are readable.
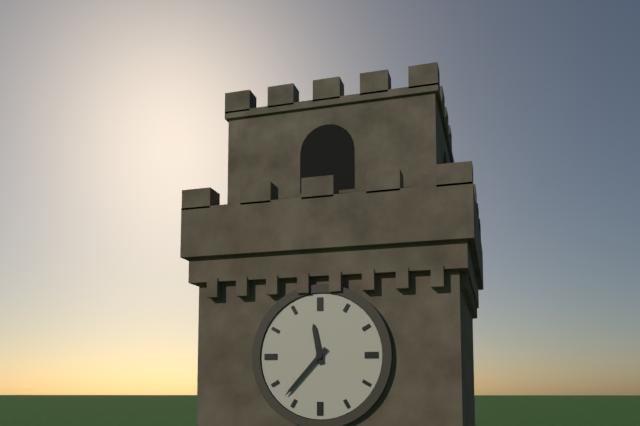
11:37
